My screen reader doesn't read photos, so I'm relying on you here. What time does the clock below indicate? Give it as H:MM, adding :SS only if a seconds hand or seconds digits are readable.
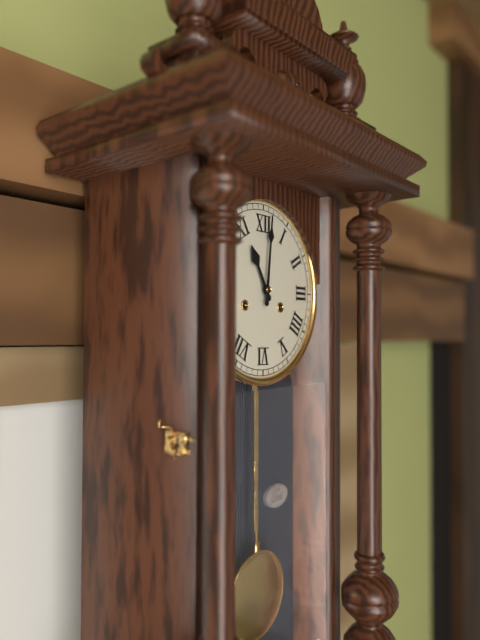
11:01
